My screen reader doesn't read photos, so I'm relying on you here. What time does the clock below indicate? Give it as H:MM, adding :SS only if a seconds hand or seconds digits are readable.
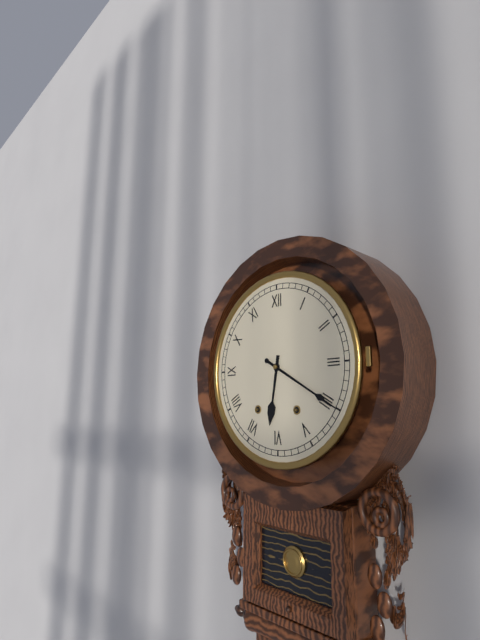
6:20
